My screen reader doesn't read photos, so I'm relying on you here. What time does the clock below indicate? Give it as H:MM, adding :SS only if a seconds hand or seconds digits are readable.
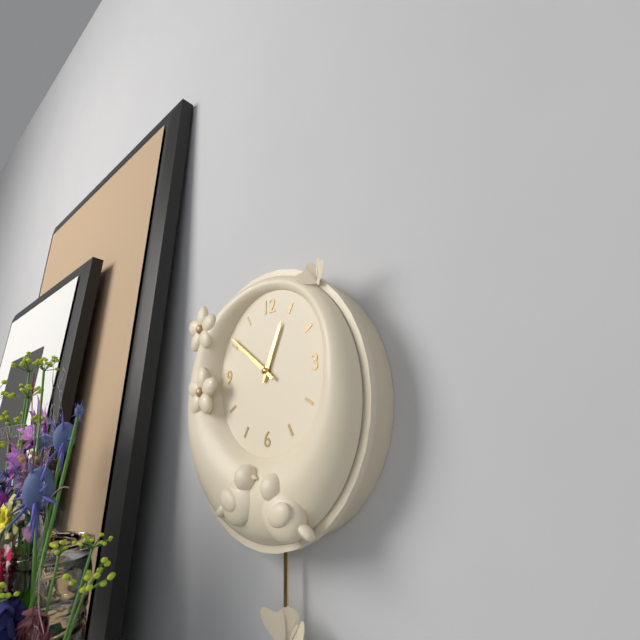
12:51
